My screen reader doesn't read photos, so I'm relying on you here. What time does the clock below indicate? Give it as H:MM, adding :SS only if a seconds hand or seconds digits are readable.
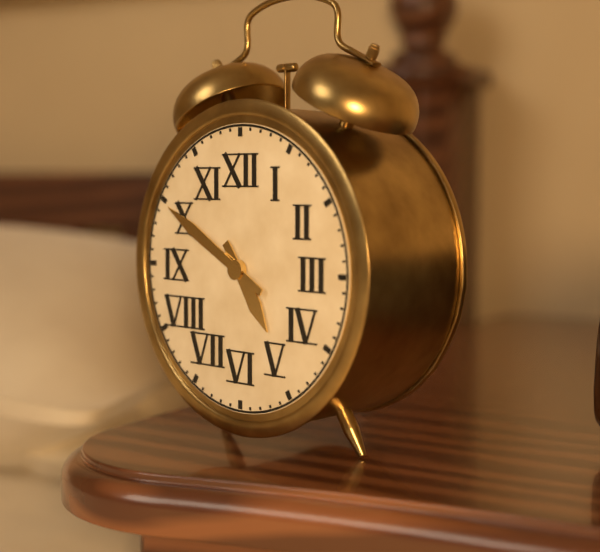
4:50
